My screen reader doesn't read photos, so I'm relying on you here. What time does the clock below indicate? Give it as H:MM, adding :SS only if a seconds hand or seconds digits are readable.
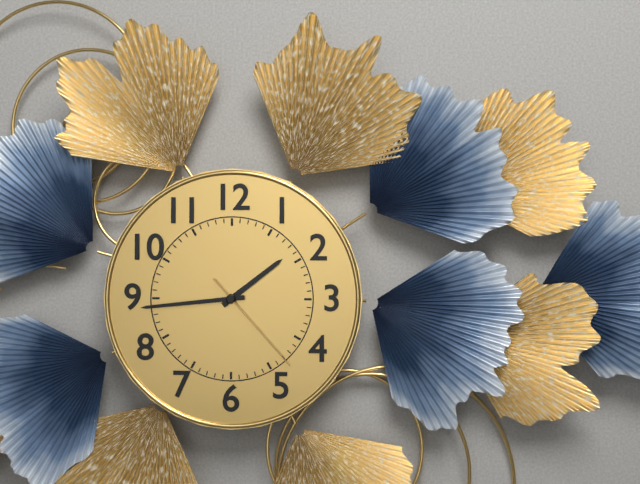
1:44:23
